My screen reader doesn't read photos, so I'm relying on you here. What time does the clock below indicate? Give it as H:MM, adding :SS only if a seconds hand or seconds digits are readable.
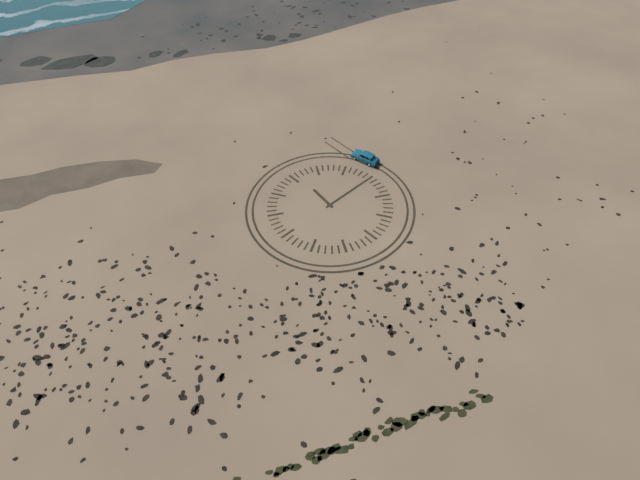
12:15
